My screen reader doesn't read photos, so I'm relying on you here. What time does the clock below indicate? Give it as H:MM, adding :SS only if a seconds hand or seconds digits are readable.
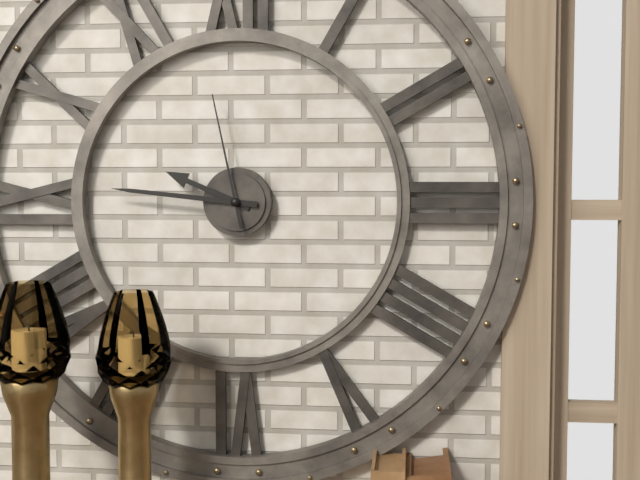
9:46:58
